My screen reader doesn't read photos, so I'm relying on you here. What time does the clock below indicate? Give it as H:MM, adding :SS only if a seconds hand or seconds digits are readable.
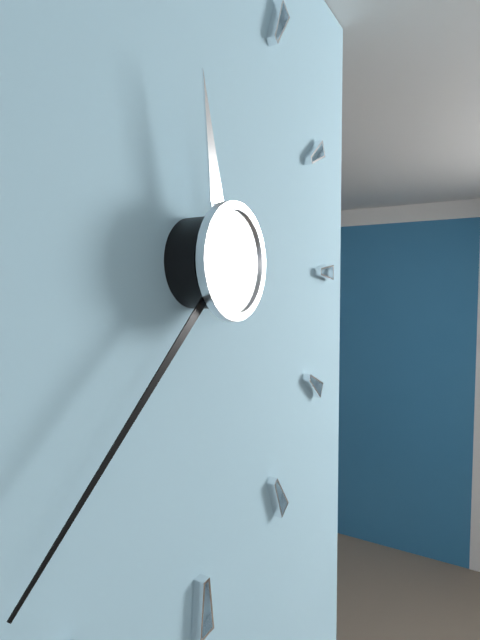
11:38
